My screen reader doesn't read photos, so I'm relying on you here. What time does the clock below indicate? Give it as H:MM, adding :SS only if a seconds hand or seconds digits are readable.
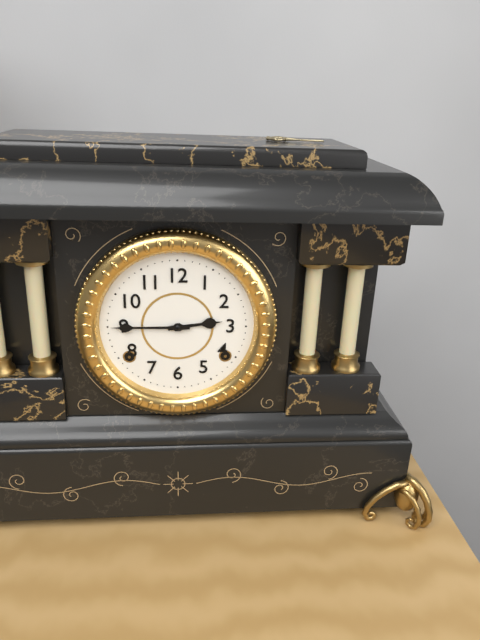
2:45
